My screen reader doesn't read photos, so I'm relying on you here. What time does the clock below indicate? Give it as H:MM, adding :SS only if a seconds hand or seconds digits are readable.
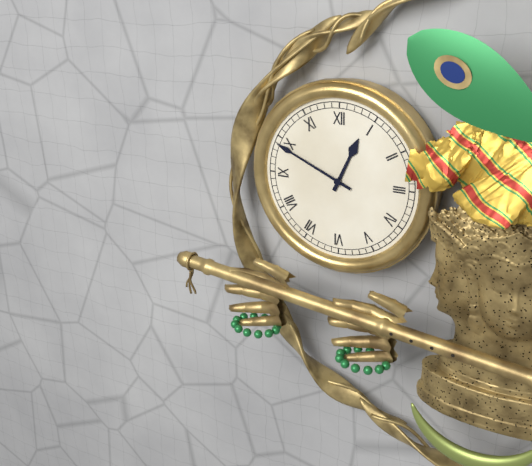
12:49
